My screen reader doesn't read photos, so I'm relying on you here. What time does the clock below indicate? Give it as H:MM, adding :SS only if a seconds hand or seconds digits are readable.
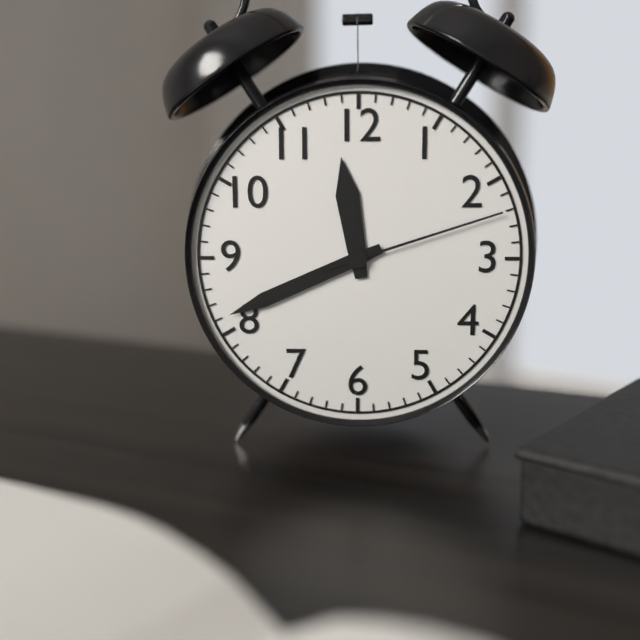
11:41:12
